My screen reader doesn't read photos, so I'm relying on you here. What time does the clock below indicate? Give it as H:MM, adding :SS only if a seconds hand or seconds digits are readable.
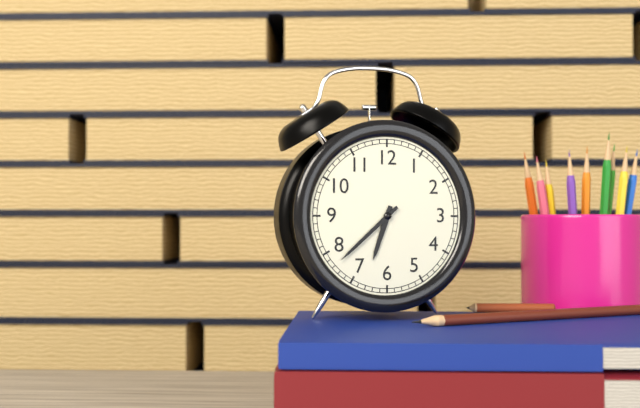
6:38
